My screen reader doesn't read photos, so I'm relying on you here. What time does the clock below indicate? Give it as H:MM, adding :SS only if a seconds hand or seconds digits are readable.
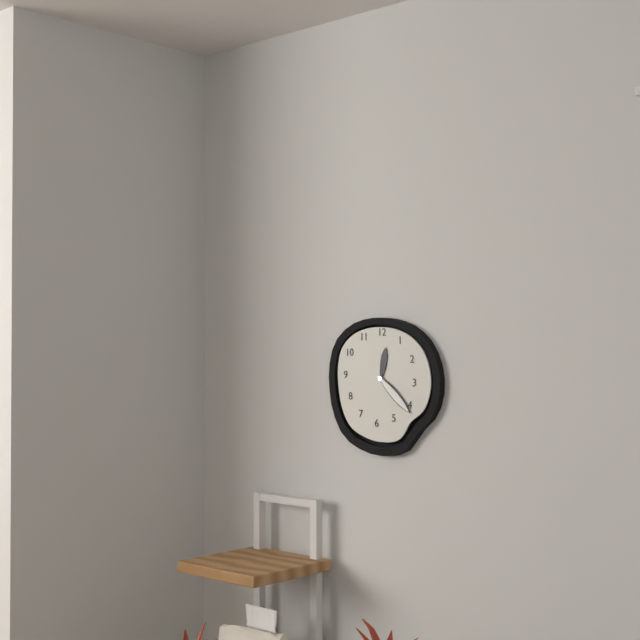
12:22
